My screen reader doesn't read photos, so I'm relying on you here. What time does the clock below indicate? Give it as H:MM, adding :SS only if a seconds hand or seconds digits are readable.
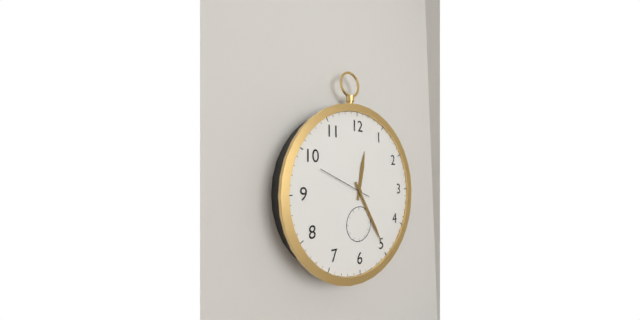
12:25:49
